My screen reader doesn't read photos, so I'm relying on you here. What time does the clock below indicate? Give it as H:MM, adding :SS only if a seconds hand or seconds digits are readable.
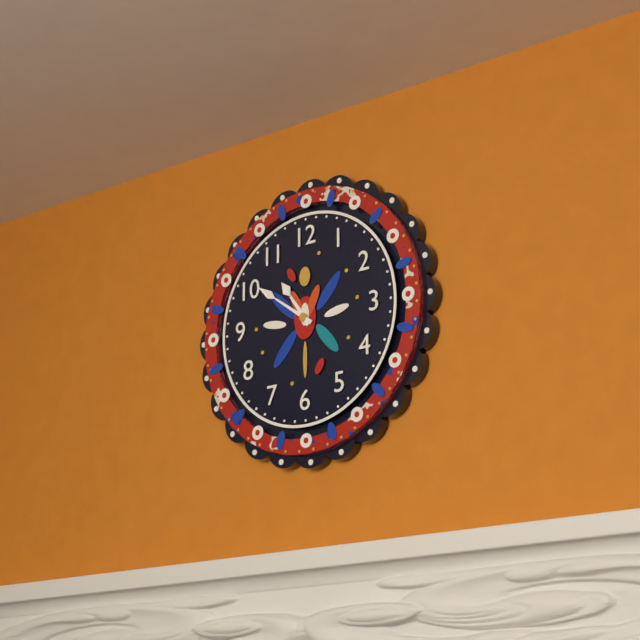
10:51
